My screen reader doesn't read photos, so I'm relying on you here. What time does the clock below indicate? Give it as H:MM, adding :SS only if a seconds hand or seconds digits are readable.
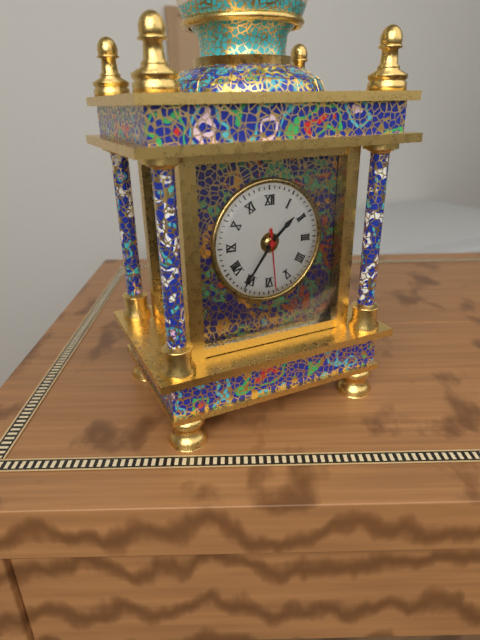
1:36:29
